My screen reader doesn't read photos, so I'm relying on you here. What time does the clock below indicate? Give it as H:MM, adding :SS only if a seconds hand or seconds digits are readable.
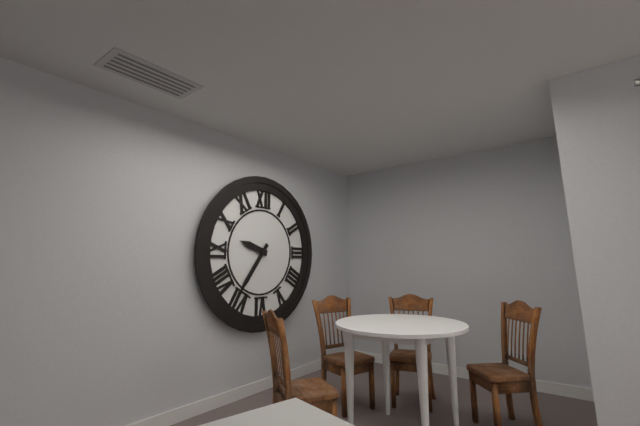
9:36
